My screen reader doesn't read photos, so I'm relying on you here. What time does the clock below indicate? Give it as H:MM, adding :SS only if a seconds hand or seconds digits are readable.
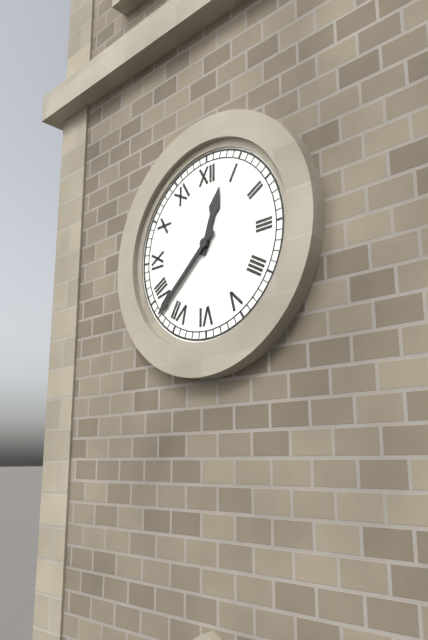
12:38
